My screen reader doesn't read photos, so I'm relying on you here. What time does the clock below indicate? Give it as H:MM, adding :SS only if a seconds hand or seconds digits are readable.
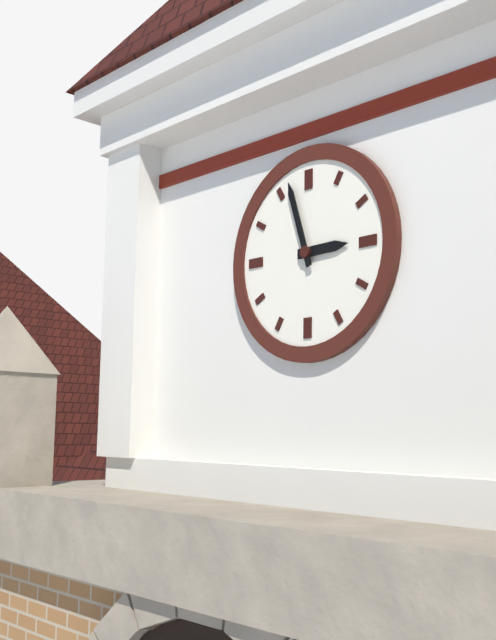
2:57
